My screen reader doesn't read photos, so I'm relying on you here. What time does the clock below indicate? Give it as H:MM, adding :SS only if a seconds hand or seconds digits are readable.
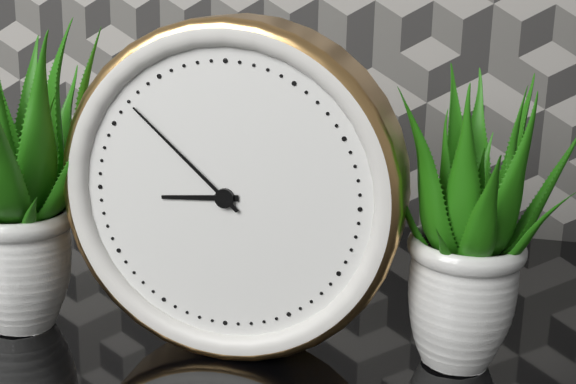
8:52
